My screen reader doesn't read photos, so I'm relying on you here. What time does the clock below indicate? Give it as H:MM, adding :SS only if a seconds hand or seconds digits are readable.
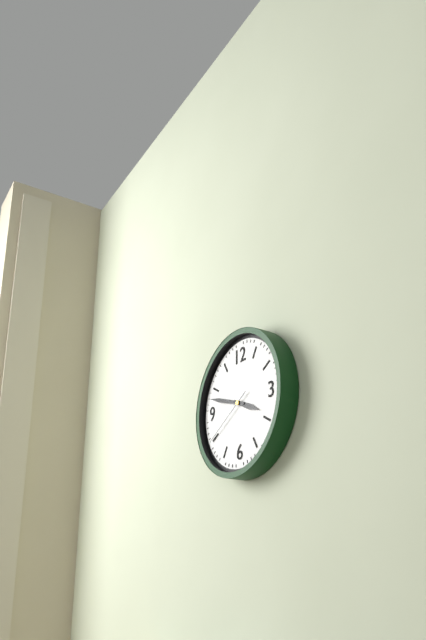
3:48:40
